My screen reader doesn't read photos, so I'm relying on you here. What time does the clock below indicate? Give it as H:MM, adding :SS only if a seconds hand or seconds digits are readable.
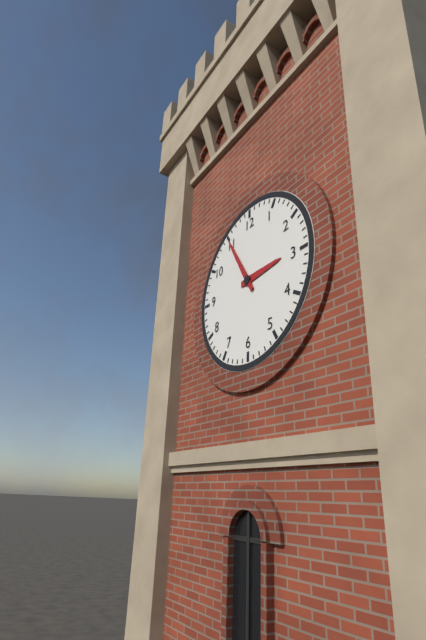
2:55
